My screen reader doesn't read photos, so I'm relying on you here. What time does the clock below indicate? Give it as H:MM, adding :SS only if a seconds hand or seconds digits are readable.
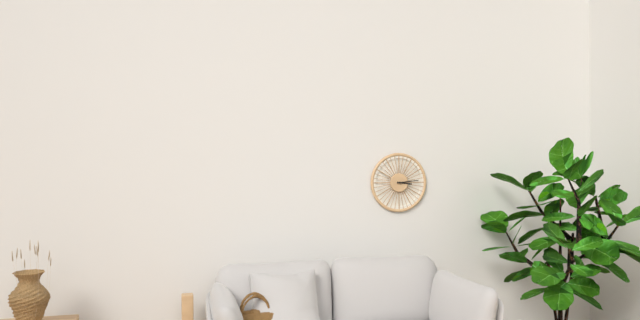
3:14
